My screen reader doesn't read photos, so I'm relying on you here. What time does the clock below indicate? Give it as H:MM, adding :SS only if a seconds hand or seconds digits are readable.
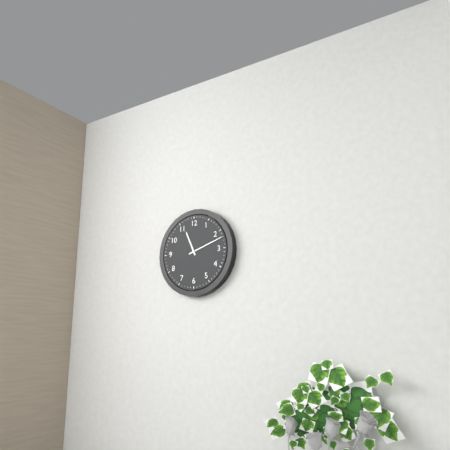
11:12
